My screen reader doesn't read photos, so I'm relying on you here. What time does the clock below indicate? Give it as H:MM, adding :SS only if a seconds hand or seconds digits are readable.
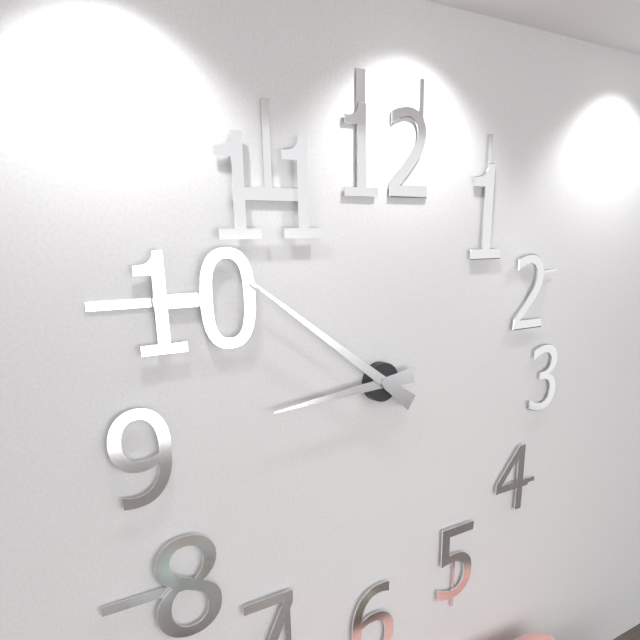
8:51
